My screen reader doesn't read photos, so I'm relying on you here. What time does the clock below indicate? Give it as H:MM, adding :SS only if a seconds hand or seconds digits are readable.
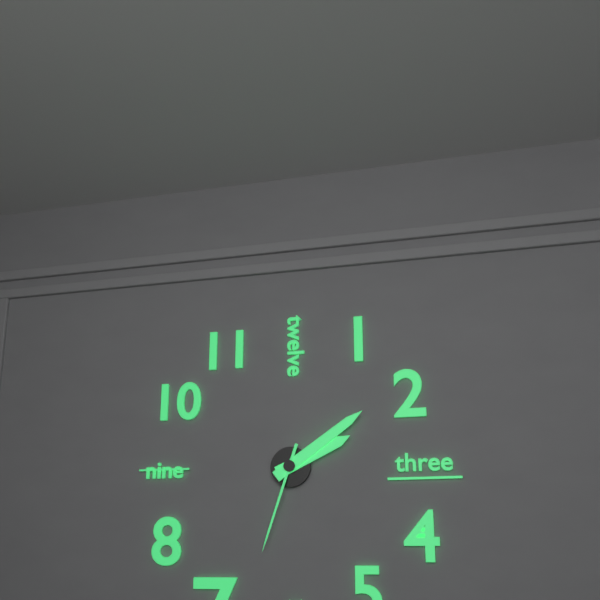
2:09:33
